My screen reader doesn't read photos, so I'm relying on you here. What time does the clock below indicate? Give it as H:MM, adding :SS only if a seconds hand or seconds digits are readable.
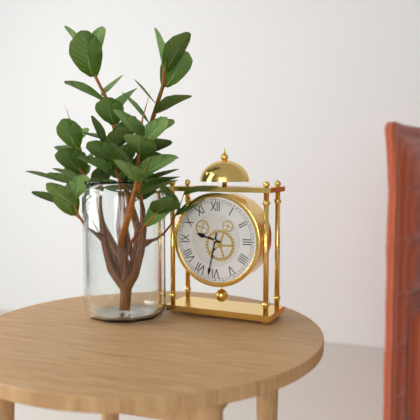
9:32
